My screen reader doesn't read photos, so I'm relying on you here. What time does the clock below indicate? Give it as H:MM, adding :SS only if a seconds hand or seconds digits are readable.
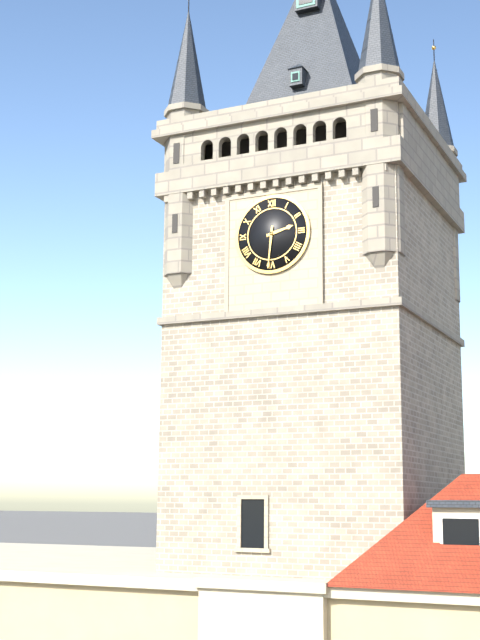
2:31
